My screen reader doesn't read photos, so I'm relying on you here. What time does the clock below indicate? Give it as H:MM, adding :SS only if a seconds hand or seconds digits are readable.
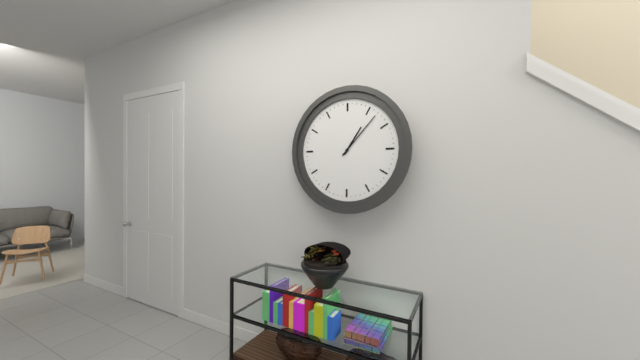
1:07
